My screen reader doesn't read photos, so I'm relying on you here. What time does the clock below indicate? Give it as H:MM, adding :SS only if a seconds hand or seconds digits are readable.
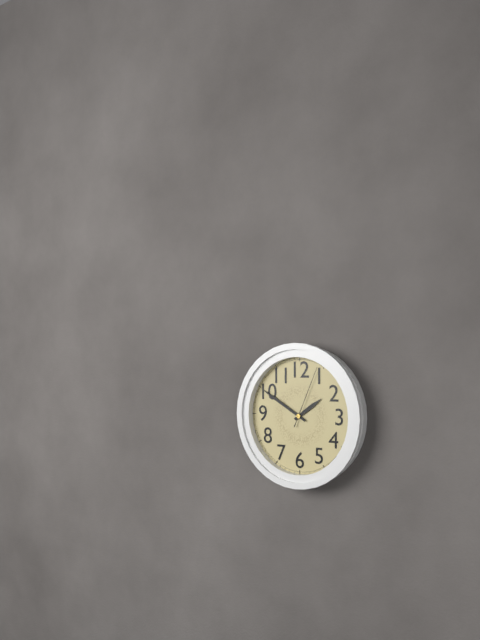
1:50:04
